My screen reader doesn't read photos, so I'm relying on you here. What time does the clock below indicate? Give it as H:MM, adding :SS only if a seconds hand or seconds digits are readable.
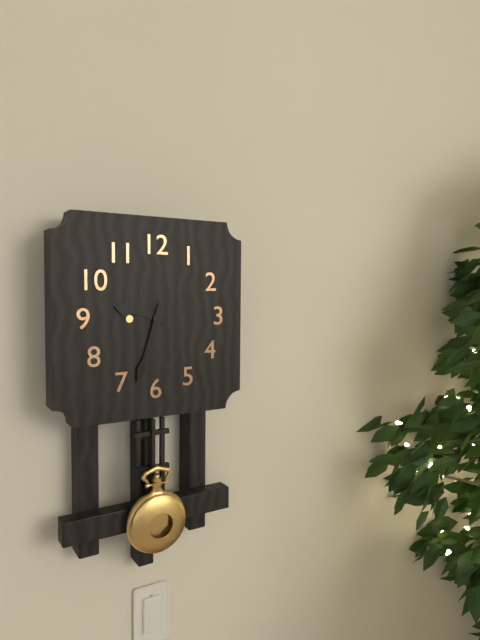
9:33
